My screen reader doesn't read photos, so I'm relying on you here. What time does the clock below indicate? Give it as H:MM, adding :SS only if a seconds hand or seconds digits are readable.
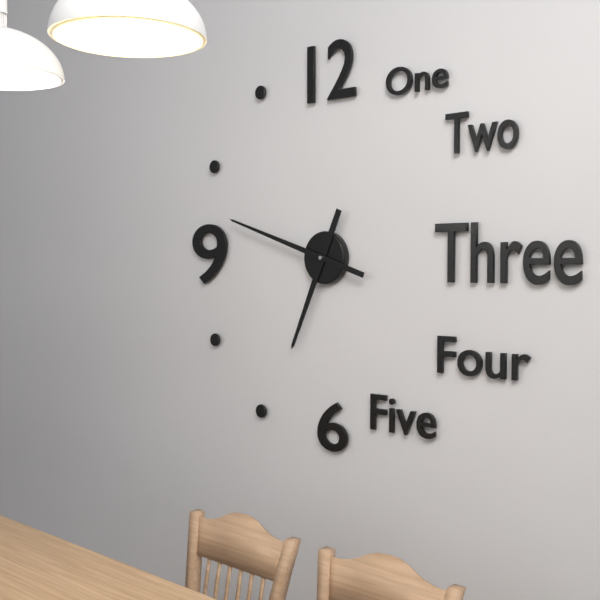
6:48
